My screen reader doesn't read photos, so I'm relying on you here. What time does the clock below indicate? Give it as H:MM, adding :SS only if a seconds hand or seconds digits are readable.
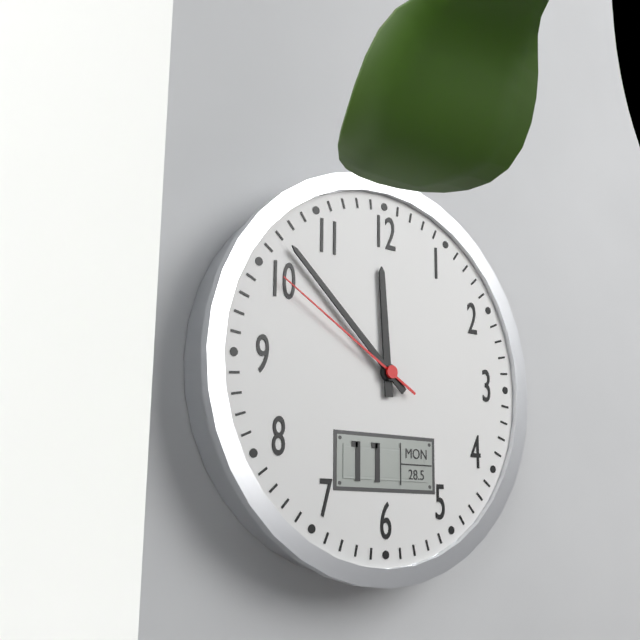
11:52:50
